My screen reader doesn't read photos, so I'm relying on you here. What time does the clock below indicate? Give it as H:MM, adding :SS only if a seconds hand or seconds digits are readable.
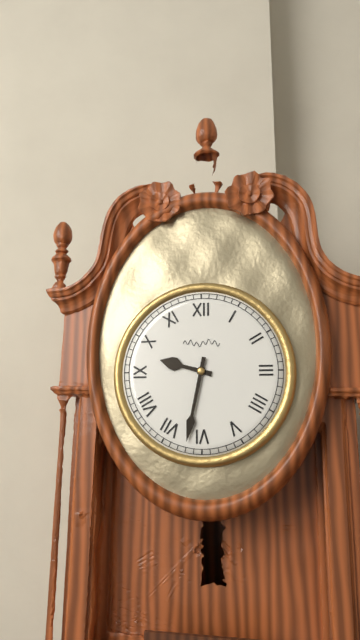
9:32
